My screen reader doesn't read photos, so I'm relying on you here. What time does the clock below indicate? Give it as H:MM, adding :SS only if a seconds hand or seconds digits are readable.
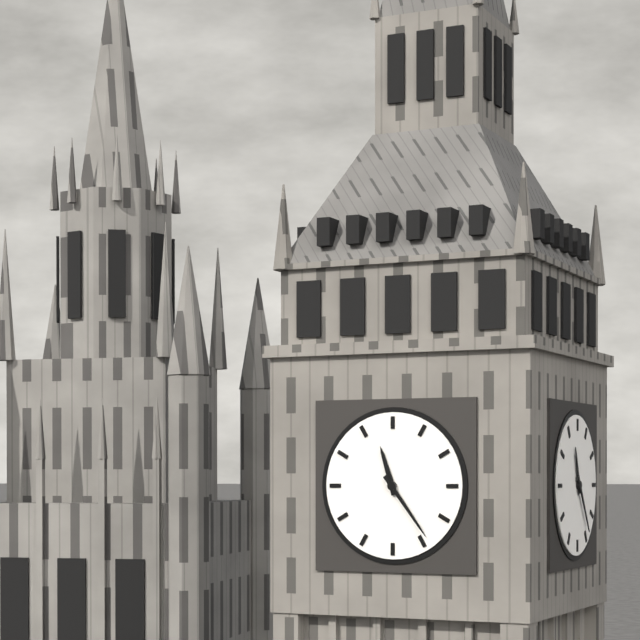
11:24
